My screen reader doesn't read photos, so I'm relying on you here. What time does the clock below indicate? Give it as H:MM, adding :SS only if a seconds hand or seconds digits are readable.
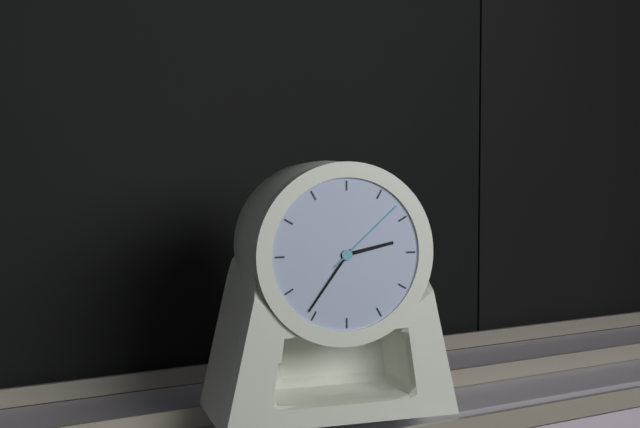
2:36:08
